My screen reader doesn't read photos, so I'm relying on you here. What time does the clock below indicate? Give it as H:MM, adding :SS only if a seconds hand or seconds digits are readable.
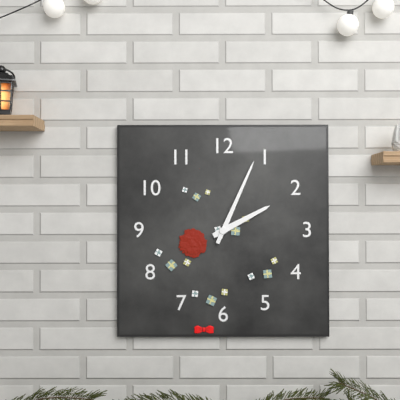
2:04
